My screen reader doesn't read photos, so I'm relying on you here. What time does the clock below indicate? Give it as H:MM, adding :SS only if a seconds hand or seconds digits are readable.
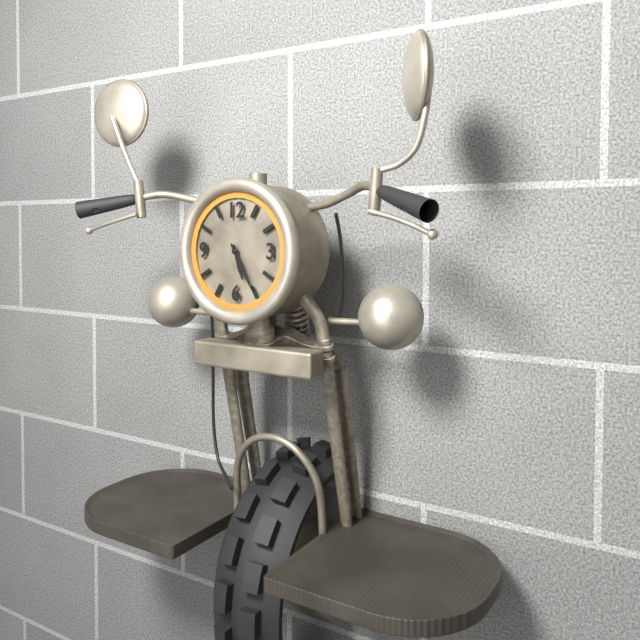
5:25
